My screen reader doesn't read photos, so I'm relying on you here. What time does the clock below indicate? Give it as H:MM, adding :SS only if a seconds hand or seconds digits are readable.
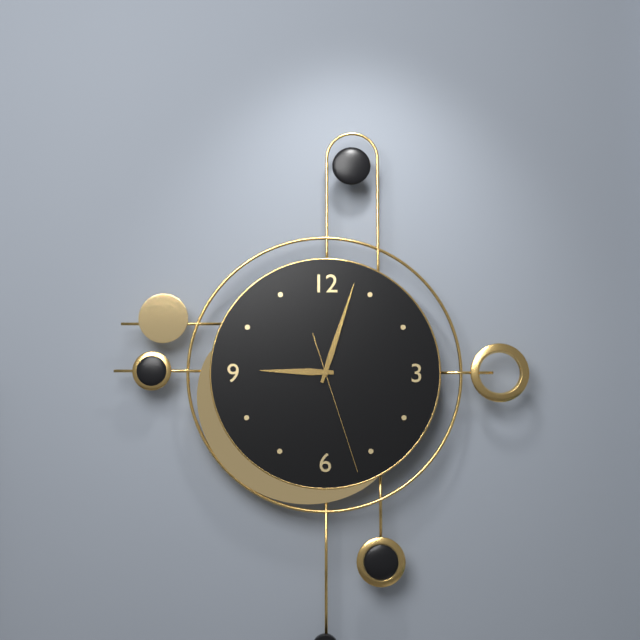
9:03:27
